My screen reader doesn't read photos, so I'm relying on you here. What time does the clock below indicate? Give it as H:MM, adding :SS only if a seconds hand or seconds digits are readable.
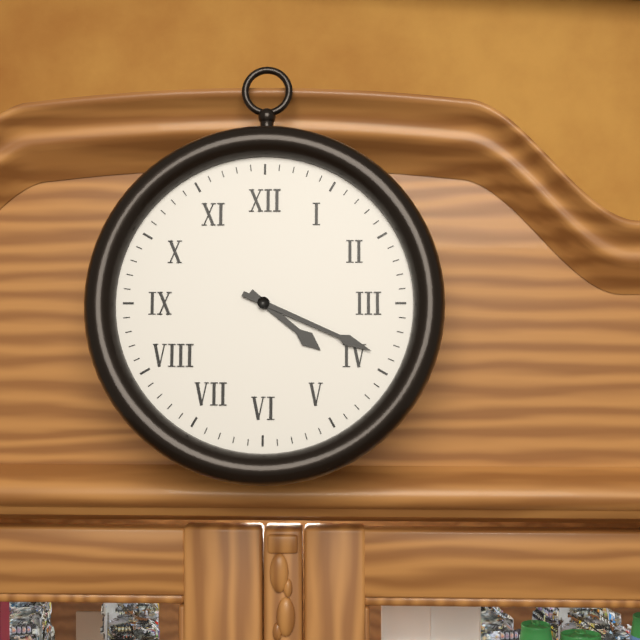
4:19
